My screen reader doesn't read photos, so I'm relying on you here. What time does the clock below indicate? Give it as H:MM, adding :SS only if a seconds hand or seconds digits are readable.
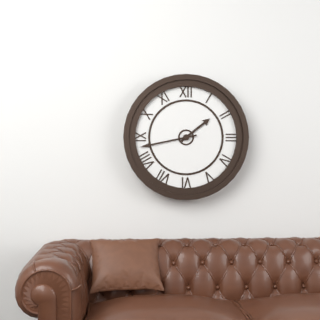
1:43
